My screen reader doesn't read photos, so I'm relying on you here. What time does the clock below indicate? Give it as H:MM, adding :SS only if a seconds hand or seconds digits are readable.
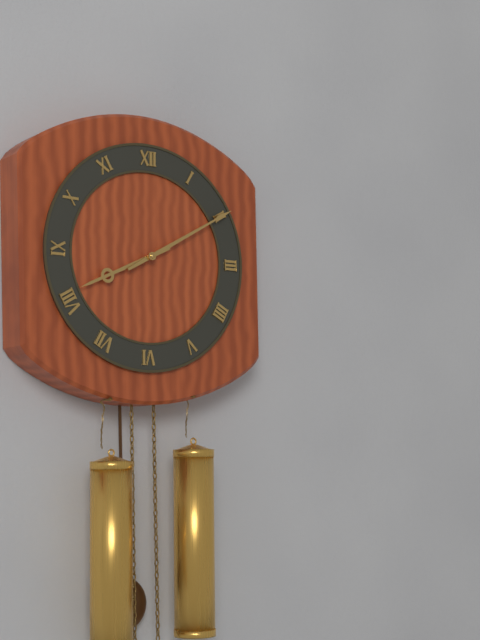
8:10
